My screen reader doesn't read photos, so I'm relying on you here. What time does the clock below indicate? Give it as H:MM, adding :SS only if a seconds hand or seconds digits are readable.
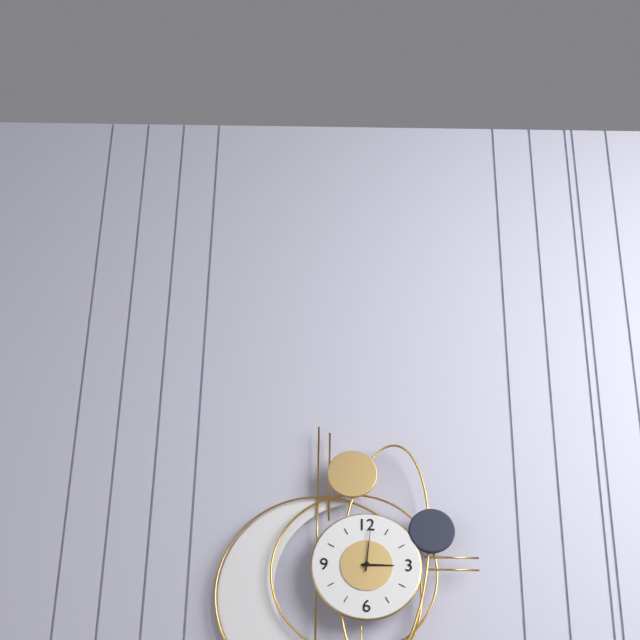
3:01
